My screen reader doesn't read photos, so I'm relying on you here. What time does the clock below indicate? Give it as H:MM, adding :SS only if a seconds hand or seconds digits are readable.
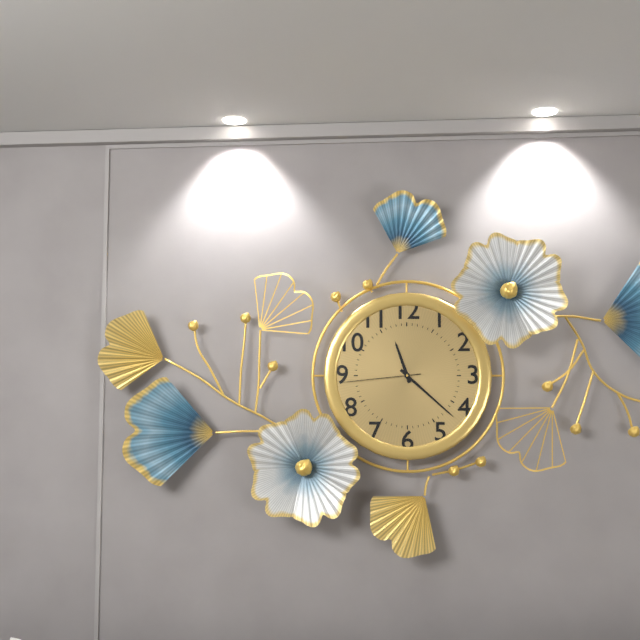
11:22:44
